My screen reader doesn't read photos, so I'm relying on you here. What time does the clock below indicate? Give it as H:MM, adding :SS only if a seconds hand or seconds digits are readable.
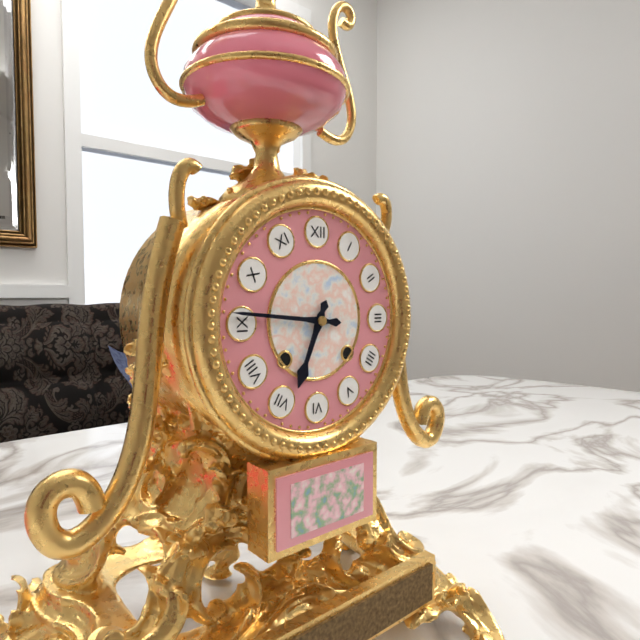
6:46
